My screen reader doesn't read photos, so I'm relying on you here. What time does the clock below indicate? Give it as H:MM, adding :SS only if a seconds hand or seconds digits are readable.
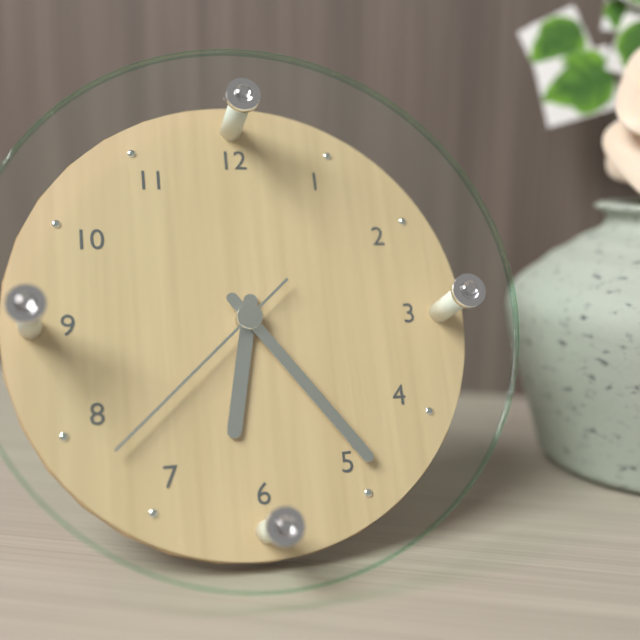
6:24:38
